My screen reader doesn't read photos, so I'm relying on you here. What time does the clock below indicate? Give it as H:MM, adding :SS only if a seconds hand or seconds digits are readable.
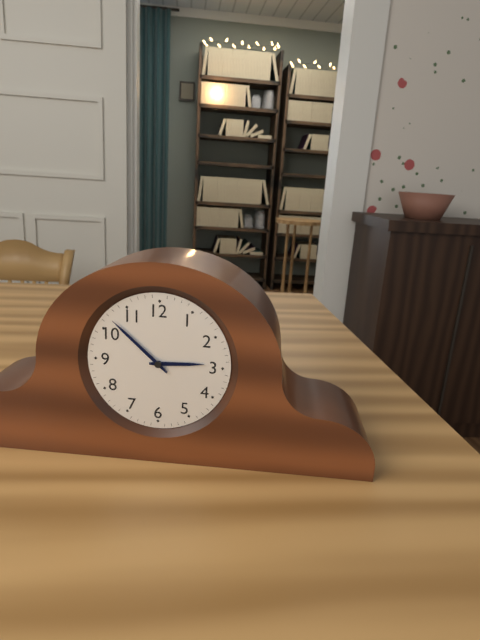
2:52
